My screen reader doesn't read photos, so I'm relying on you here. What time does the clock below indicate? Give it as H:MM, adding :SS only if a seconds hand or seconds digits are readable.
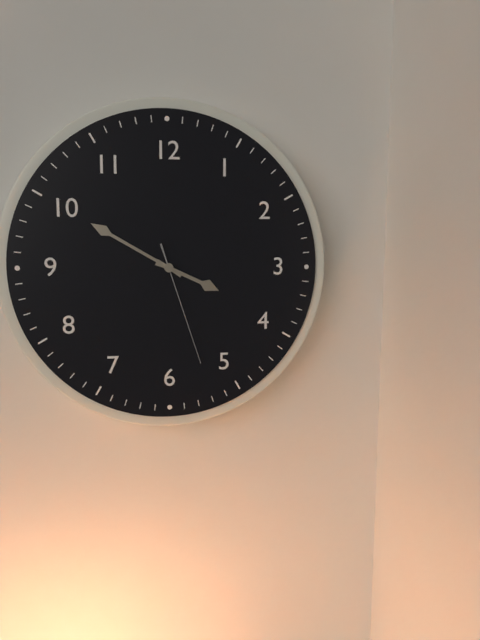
3:50:27
